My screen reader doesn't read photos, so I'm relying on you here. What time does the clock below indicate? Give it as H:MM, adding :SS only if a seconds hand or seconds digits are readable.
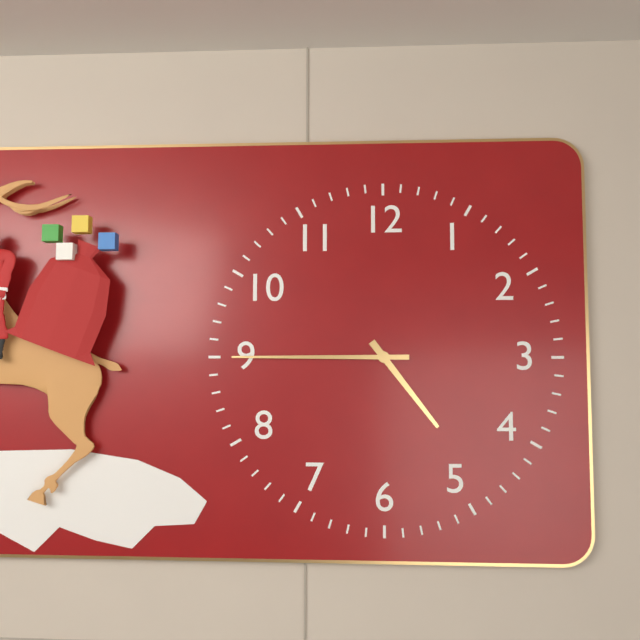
4:45
